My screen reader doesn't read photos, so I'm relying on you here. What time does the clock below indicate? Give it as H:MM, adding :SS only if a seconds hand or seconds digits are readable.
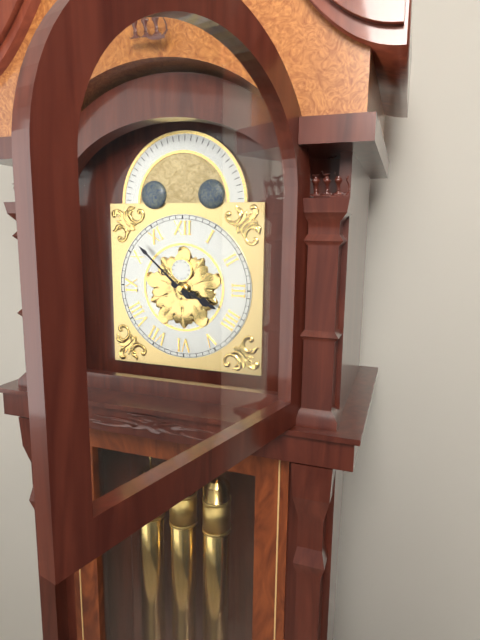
3:52
